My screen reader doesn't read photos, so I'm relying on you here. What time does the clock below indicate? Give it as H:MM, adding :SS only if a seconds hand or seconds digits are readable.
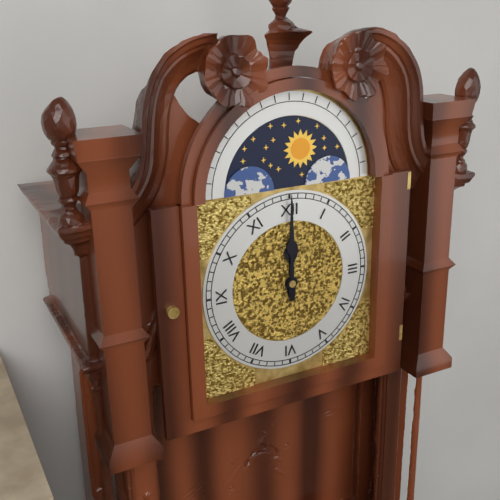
12:00
